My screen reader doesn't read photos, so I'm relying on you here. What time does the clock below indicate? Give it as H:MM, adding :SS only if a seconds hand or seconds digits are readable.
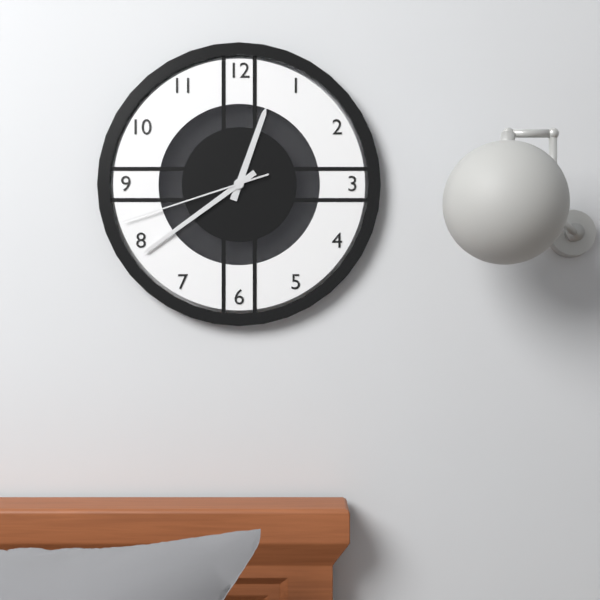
12:39:42
